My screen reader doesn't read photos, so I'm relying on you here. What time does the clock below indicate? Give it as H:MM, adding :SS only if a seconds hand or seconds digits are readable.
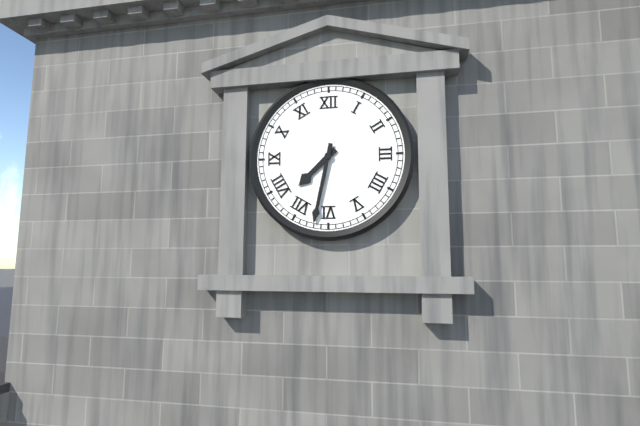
7:32
